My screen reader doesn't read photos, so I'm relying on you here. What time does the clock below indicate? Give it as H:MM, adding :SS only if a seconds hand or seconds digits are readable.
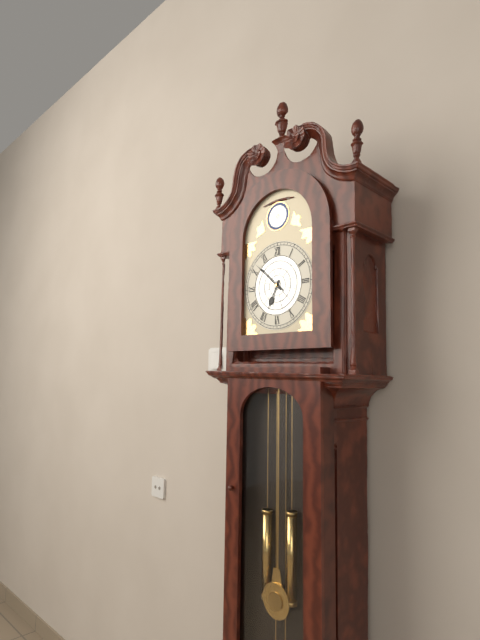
6:52
